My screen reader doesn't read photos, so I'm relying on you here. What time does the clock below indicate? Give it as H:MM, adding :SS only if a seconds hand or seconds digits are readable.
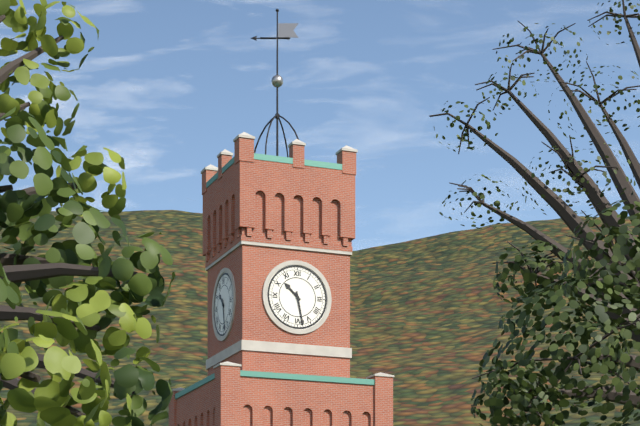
10:28
